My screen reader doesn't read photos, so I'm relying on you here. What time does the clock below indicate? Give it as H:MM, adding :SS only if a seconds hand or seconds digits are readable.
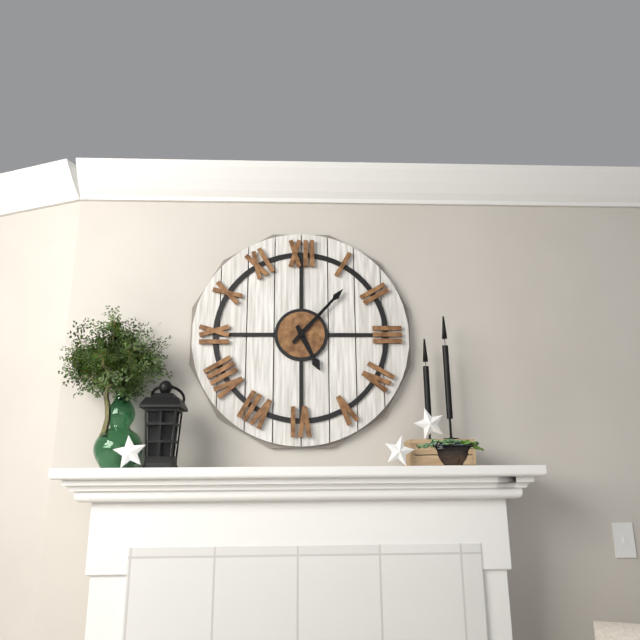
5:07
